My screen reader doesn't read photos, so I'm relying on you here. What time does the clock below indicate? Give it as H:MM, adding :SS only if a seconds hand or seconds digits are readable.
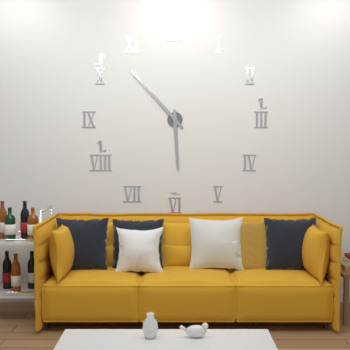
5:53
